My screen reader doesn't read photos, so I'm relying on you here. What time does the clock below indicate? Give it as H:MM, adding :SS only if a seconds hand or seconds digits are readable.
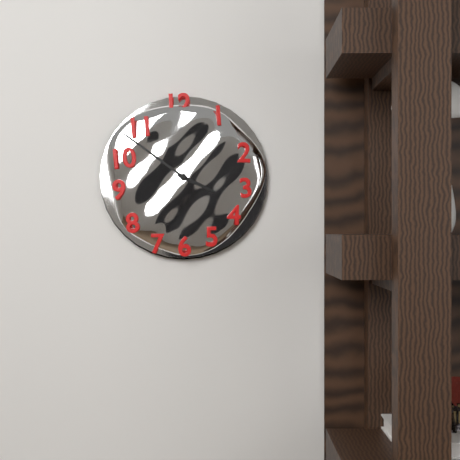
3:51
